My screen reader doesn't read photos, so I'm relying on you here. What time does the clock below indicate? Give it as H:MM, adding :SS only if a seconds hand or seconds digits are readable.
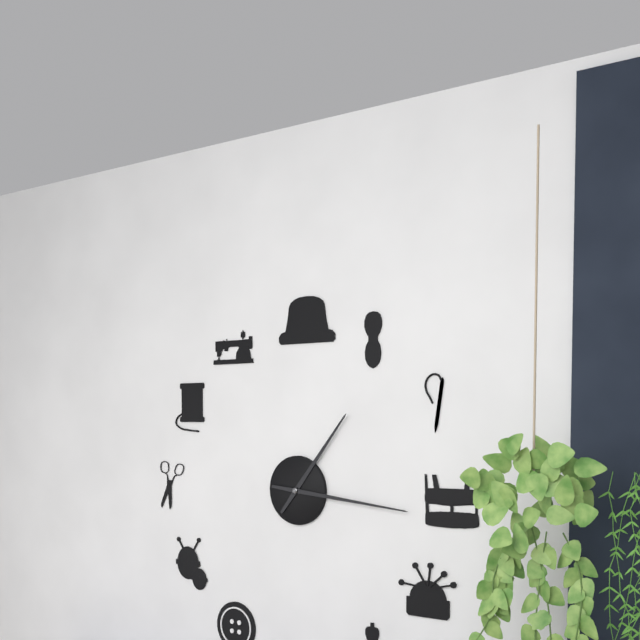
1:16
